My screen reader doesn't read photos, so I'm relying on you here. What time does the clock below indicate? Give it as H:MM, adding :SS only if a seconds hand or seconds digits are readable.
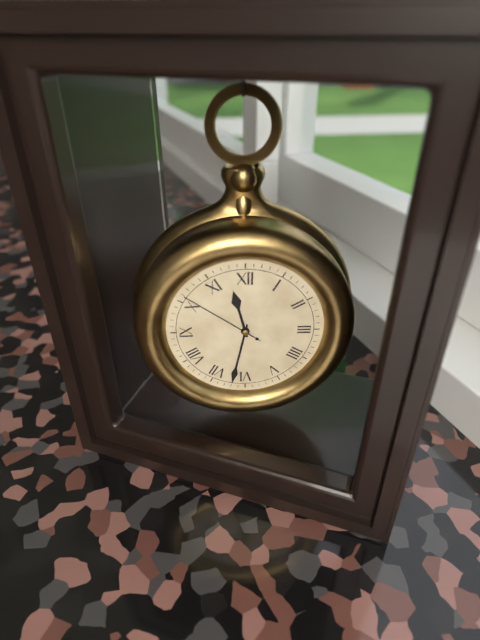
11:32:51
